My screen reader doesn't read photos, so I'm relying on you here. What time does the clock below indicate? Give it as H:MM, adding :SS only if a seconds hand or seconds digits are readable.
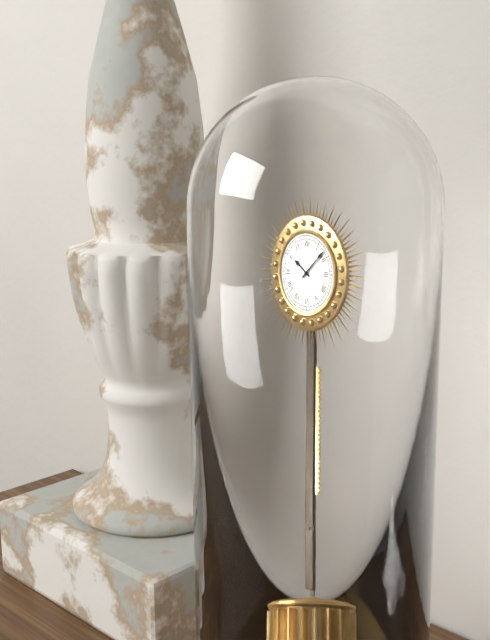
10:08
